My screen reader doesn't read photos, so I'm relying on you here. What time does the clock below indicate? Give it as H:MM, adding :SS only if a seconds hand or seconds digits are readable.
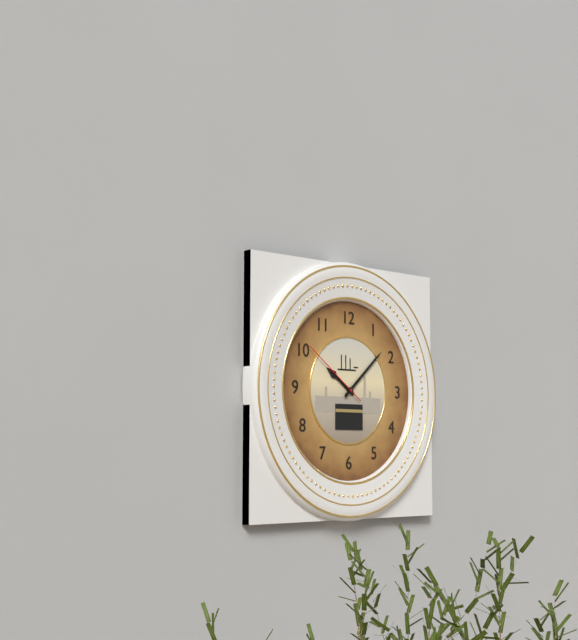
10:08:51
